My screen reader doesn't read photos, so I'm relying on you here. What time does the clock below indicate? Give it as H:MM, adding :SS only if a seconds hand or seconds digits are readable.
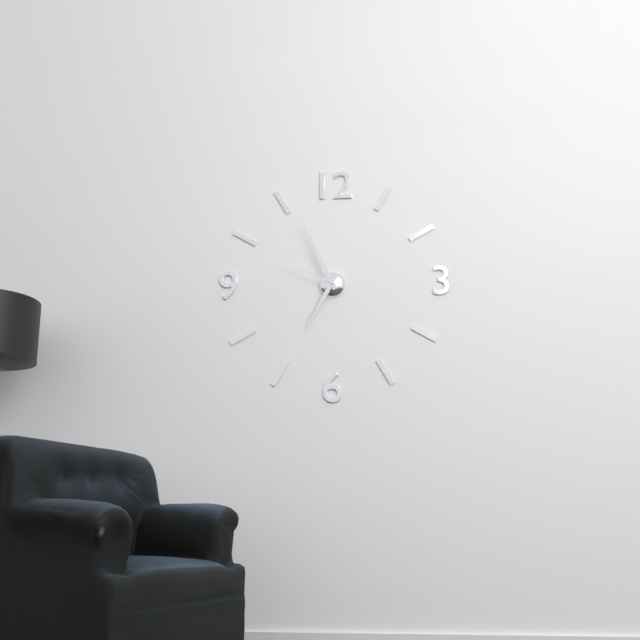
6:56:49
